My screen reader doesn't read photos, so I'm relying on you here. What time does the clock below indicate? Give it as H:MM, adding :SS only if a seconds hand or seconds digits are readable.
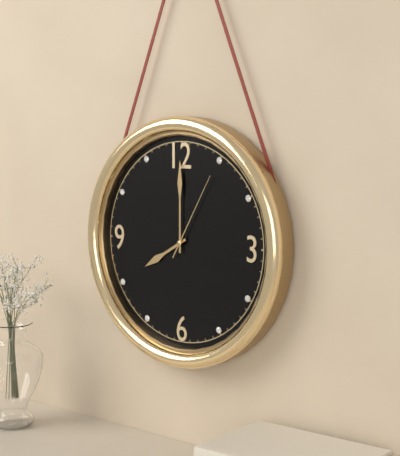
8:00:05
